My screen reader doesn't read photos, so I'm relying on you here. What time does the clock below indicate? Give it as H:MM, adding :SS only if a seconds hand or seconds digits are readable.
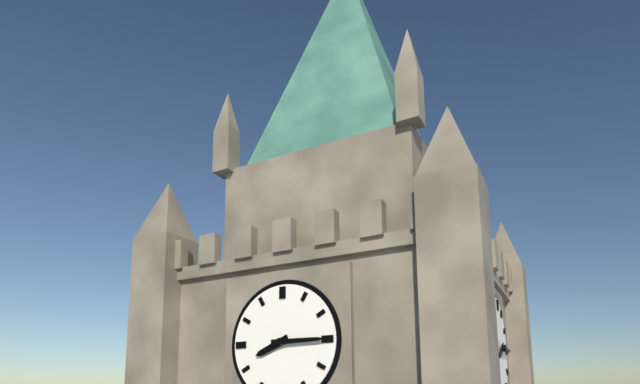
8:15
